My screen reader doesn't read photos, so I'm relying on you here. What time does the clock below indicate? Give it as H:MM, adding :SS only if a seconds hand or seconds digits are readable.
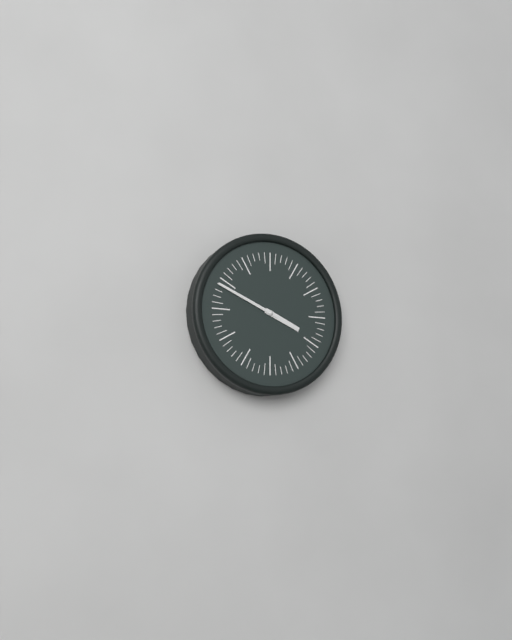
3:49
